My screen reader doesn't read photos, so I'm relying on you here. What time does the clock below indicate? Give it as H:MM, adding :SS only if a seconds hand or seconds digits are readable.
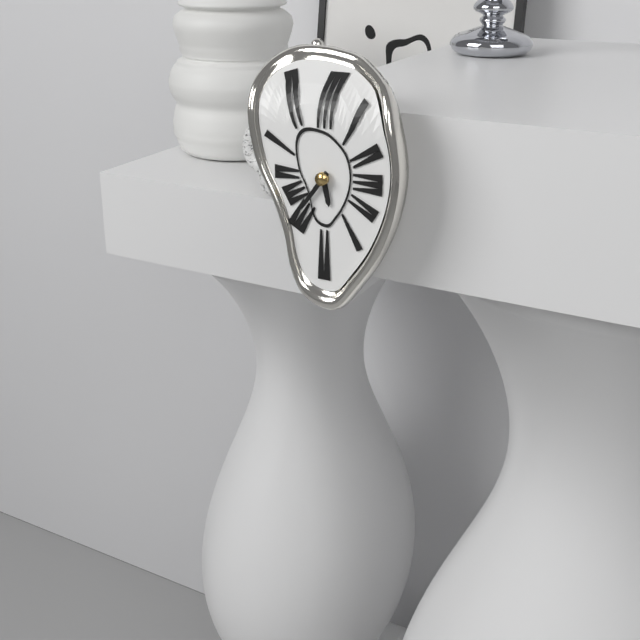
5:36
